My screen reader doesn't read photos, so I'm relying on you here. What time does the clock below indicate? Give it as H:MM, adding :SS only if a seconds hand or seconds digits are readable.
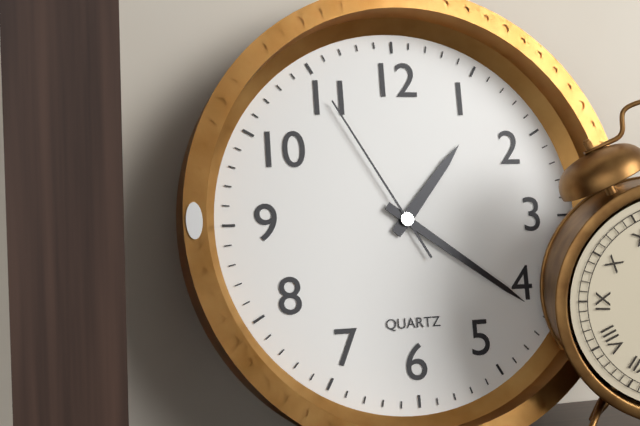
1:21:55
